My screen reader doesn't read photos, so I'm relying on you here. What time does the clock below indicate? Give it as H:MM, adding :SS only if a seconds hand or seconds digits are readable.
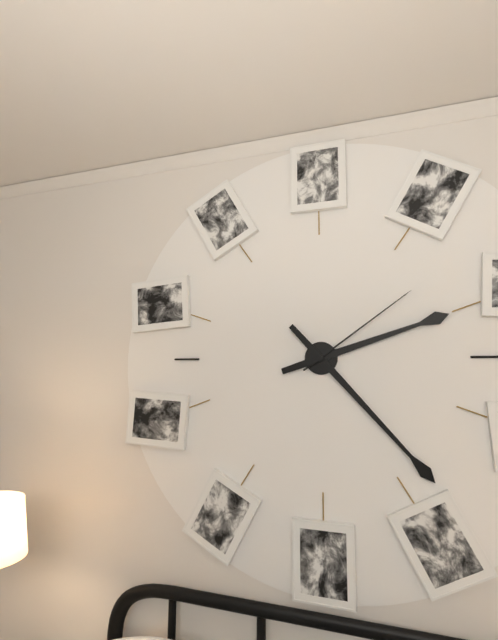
2:23:09
